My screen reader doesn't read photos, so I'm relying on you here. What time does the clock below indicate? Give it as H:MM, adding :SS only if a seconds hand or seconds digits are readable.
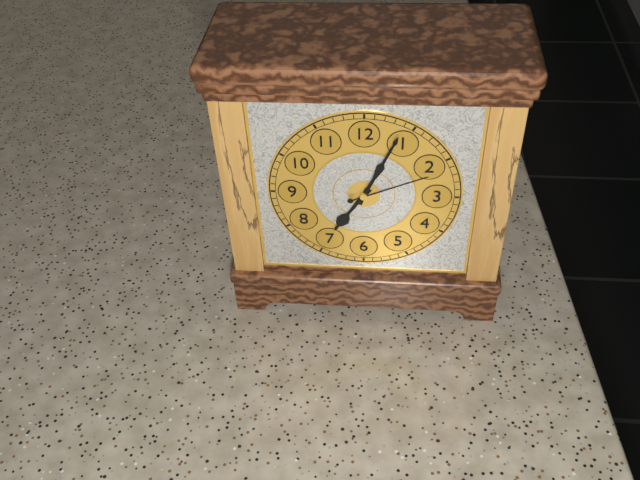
7:04:11
